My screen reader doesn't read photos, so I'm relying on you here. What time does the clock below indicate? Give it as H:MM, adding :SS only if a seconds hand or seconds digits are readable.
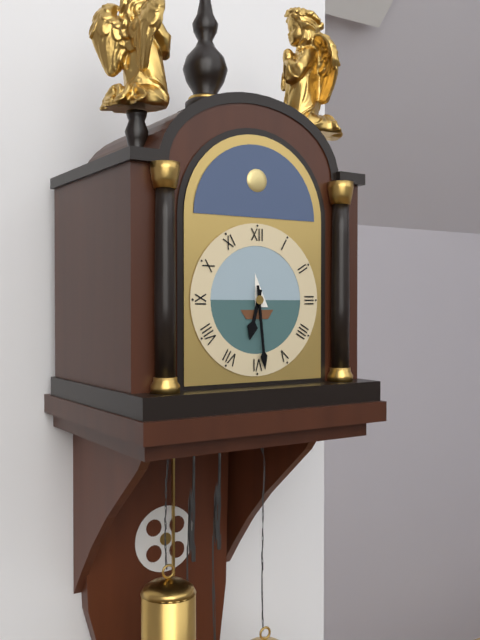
6:29
